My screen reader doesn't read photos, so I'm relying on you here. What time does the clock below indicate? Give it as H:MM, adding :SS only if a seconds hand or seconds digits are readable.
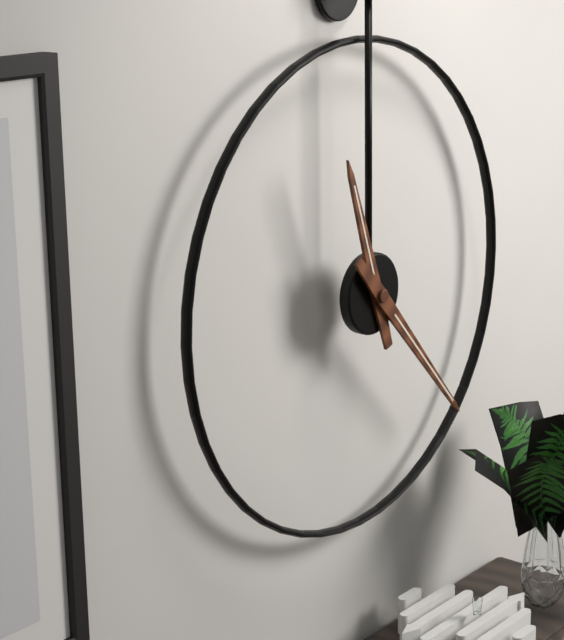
11:23
